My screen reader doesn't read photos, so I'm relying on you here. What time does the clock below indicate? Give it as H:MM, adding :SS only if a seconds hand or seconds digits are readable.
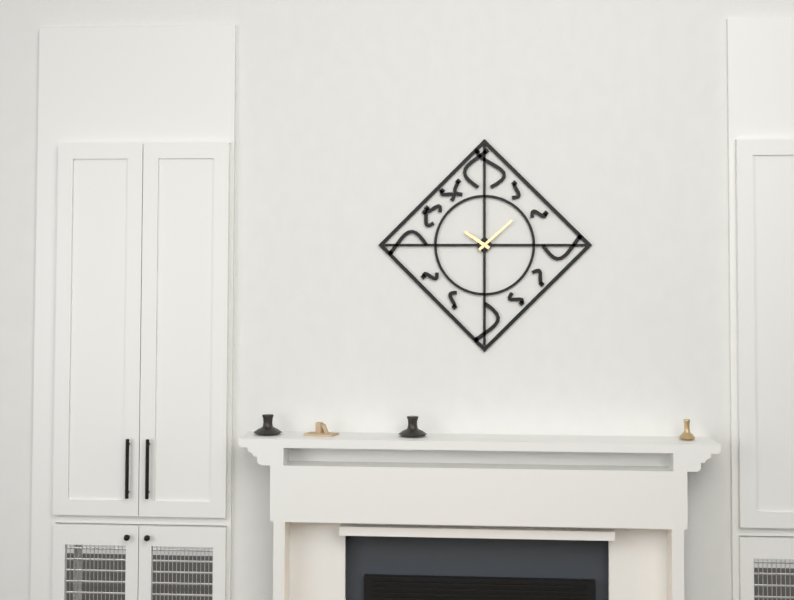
10:08
